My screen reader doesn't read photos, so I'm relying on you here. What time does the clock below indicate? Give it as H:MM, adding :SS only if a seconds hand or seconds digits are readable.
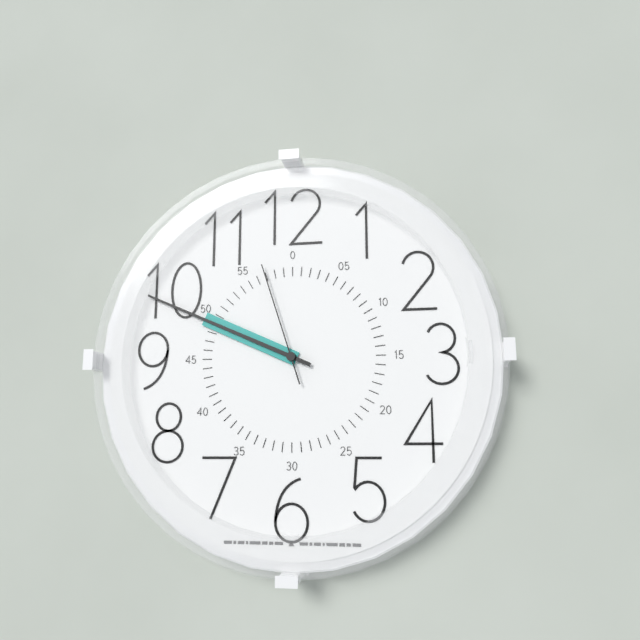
9:49:57
